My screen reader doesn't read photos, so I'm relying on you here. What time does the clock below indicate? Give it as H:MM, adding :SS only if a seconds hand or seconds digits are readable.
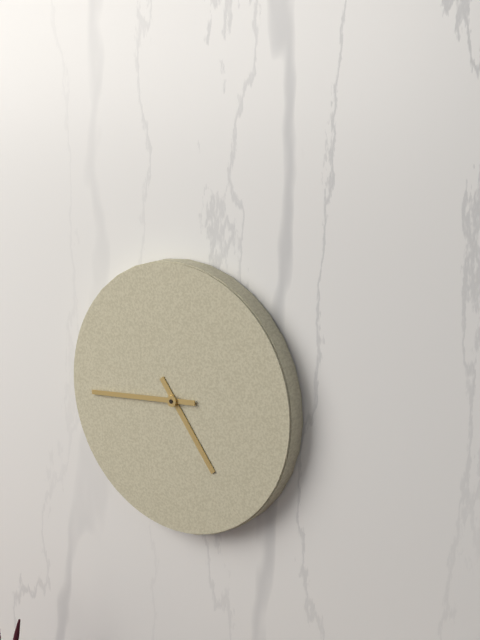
4:44
